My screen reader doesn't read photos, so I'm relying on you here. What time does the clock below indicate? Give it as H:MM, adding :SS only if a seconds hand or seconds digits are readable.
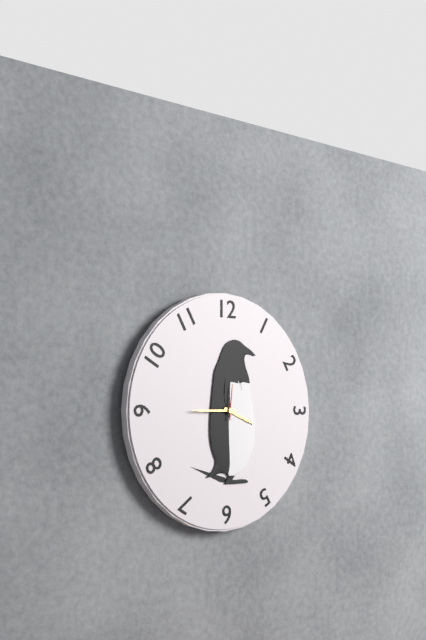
3:45
